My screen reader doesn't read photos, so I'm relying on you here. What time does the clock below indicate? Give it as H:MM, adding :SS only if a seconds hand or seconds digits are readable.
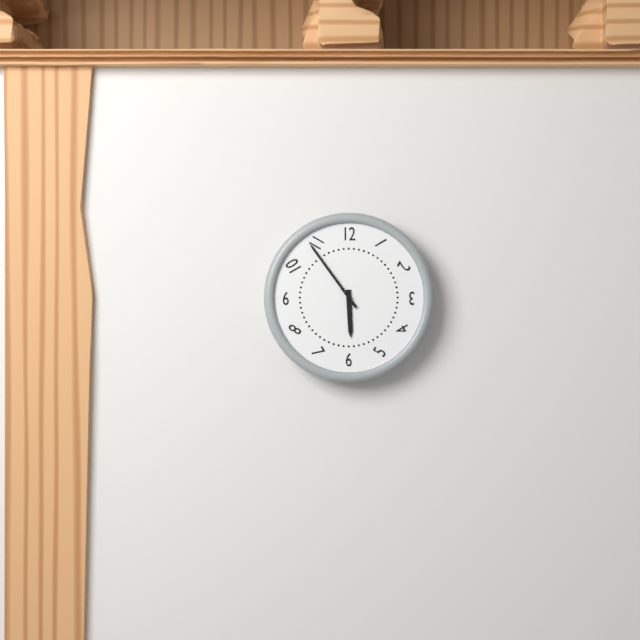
5:54
